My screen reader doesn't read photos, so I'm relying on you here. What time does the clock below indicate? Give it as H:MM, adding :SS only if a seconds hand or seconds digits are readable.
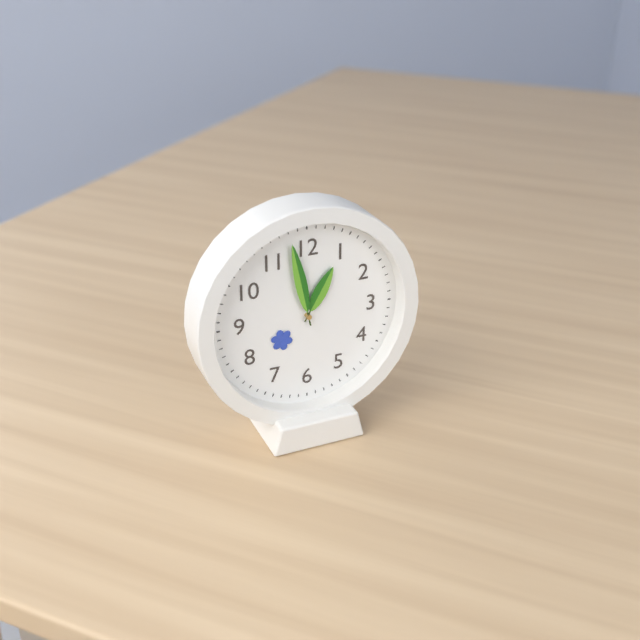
12:58
